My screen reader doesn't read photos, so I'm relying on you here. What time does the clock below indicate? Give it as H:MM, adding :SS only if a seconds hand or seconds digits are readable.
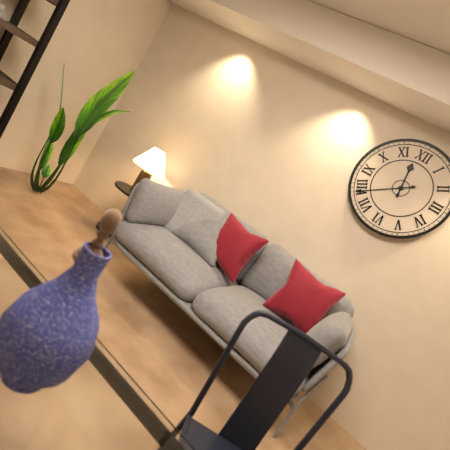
11:39
